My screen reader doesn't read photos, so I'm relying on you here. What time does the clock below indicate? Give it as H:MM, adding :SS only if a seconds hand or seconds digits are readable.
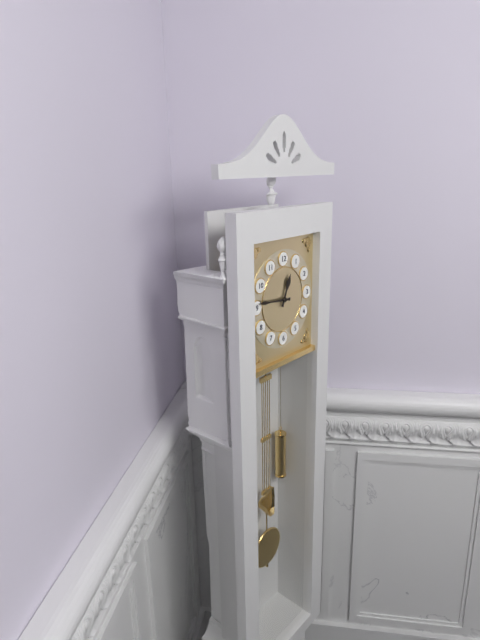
12:46
